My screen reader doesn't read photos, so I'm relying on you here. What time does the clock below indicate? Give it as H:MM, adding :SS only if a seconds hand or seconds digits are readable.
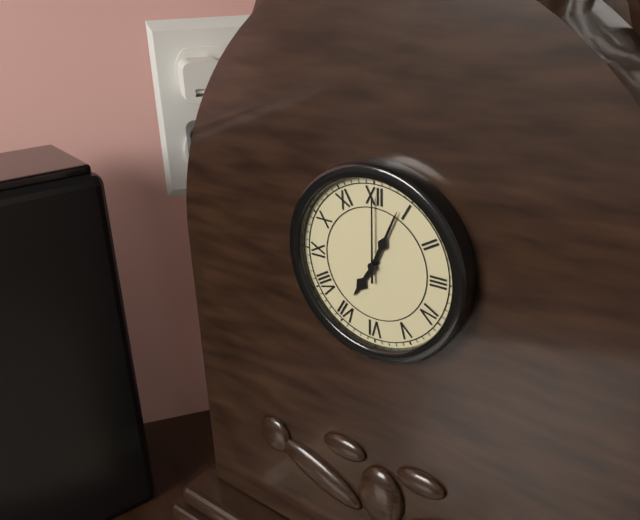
7:04:00
